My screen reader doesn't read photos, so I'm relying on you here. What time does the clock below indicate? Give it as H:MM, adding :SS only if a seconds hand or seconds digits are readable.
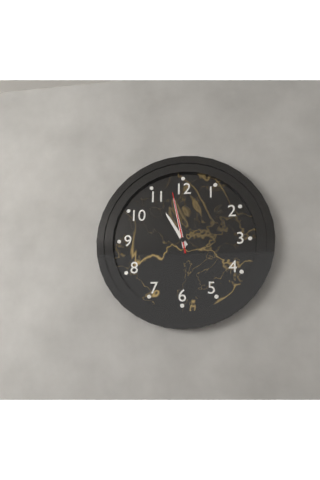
10:58:58
